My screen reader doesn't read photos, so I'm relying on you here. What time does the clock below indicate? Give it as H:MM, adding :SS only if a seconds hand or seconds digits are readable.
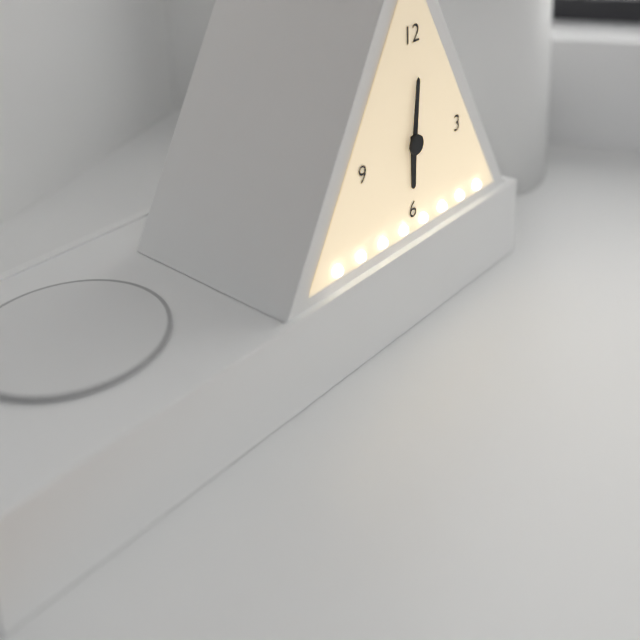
6:01
